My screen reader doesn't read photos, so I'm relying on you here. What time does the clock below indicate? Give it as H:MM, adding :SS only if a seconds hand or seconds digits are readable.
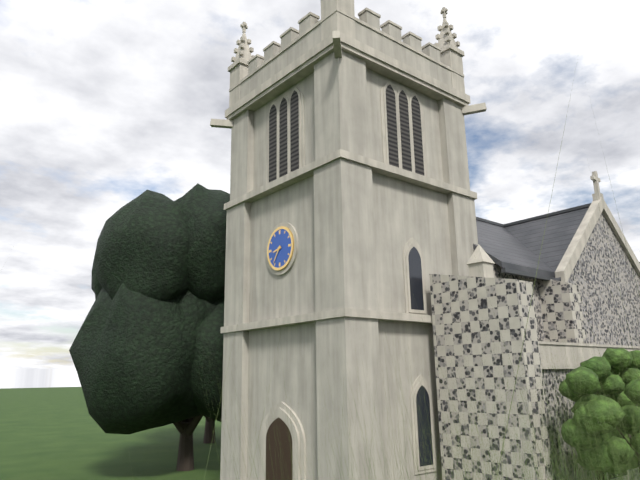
8:36
